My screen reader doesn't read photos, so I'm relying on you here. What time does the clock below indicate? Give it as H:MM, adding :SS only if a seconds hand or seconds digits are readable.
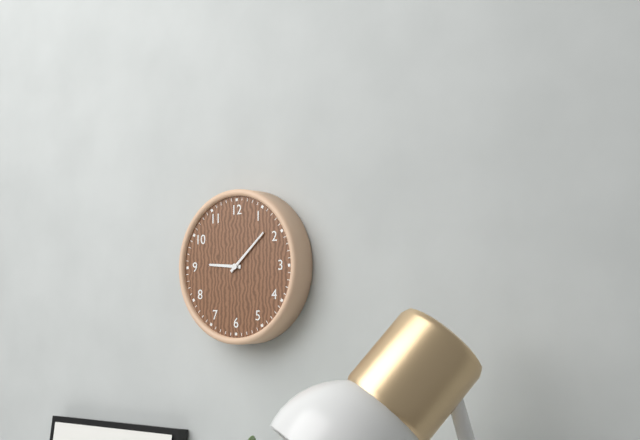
9:08
